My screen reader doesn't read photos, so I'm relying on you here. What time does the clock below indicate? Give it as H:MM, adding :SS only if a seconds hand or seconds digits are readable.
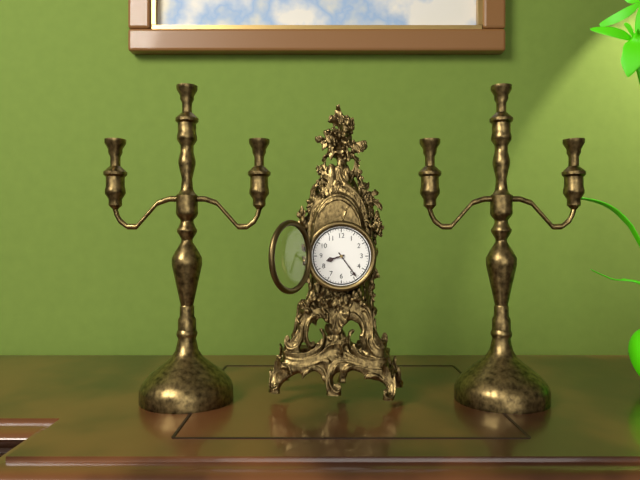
8:24
